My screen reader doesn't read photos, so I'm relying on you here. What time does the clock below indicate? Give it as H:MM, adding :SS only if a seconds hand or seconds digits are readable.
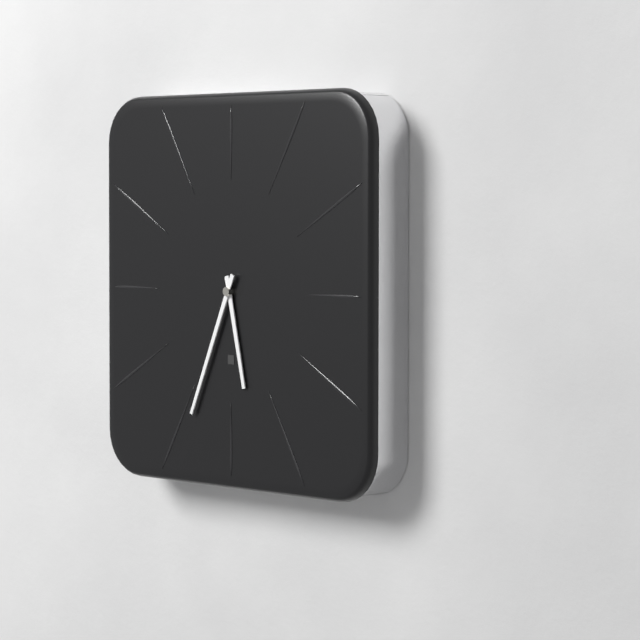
5:34
